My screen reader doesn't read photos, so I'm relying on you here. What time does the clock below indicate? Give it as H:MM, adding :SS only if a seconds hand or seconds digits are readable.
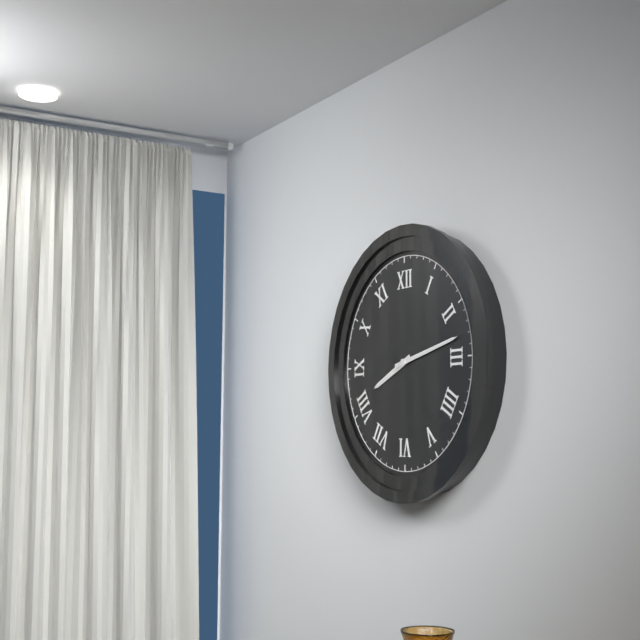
8:13
